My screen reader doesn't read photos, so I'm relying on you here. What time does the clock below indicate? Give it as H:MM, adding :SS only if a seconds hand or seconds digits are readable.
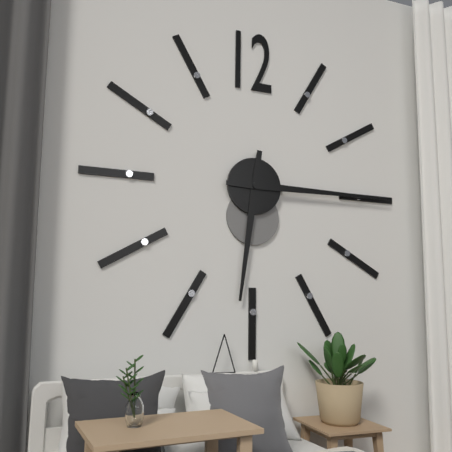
6:15
